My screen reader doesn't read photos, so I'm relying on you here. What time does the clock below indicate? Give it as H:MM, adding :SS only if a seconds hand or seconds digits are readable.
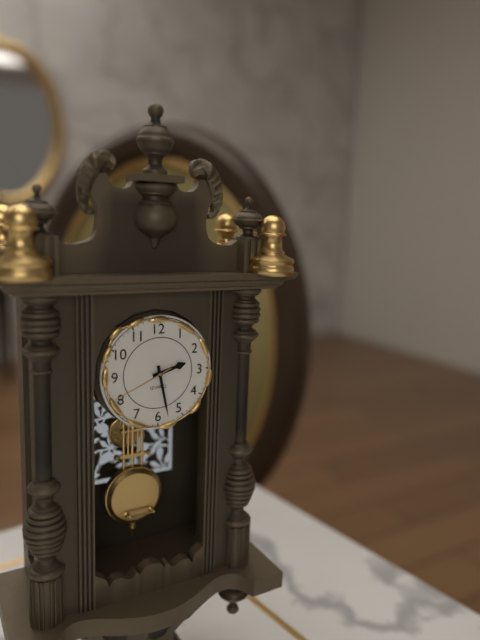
2:28:41
